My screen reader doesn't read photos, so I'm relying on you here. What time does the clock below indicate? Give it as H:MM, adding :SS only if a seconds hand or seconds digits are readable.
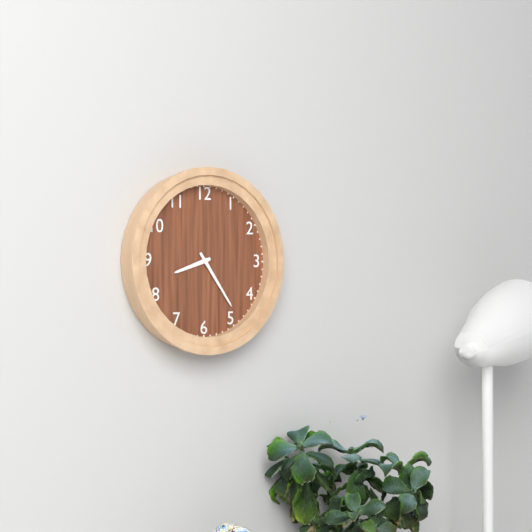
8:24
